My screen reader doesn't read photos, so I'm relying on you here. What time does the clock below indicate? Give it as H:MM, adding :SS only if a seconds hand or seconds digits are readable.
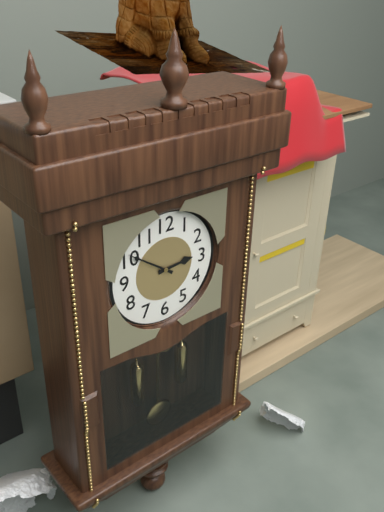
2:51
